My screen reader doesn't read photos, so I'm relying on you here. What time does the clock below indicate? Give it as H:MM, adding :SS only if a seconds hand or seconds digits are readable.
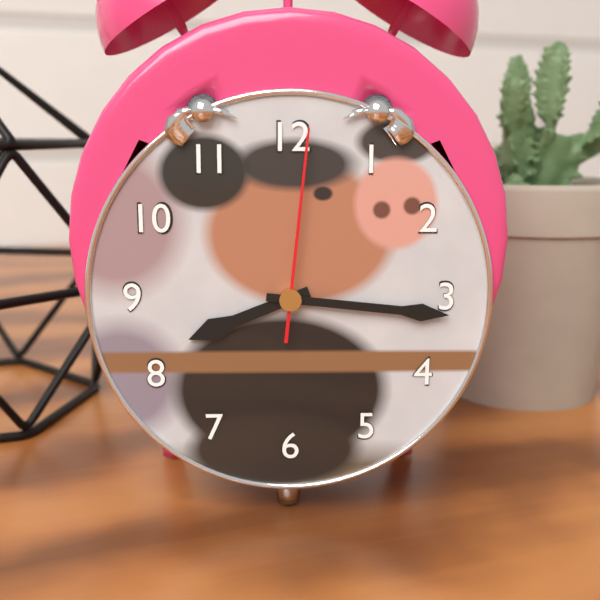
8:16:01
